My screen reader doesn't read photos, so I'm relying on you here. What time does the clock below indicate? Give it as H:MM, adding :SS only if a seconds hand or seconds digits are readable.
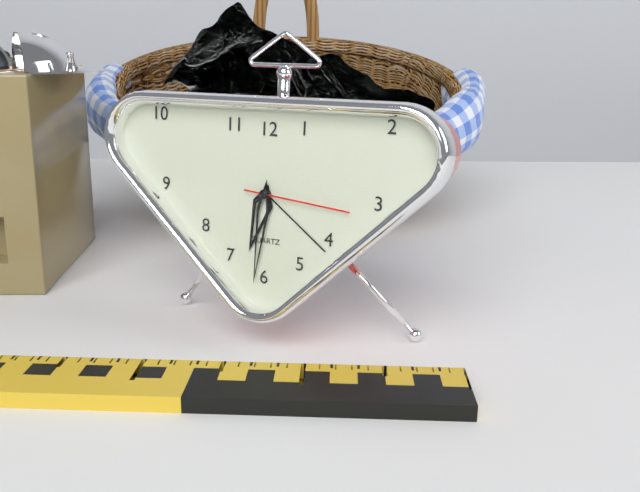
6:31:16
